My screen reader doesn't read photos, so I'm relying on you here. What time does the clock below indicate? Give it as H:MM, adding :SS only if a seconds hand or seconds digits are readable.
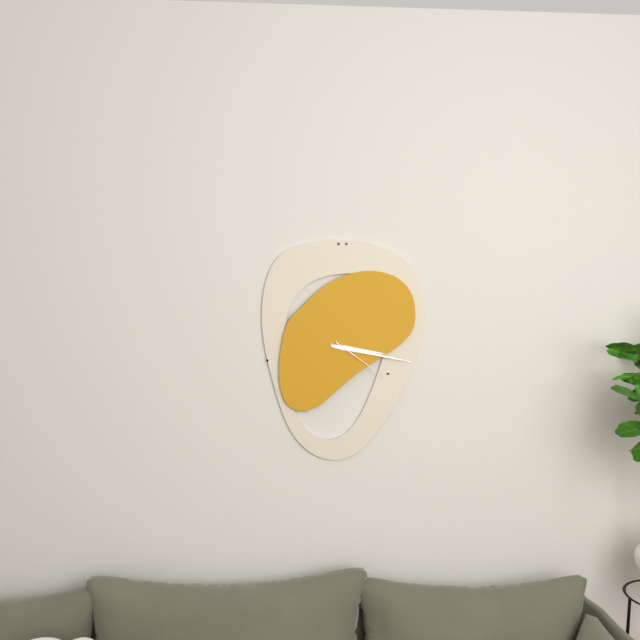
3:17:21
